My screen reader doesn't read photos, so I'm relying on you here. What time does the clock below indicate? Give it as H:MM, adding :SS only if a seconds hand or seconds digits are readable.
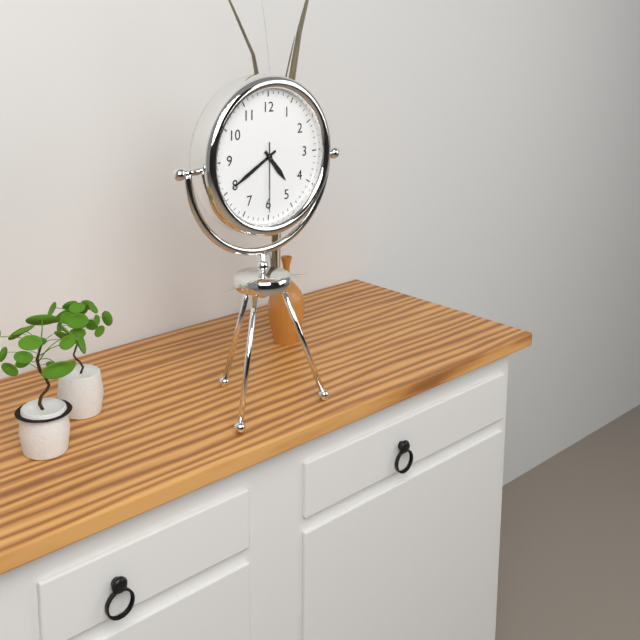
4:40:30
